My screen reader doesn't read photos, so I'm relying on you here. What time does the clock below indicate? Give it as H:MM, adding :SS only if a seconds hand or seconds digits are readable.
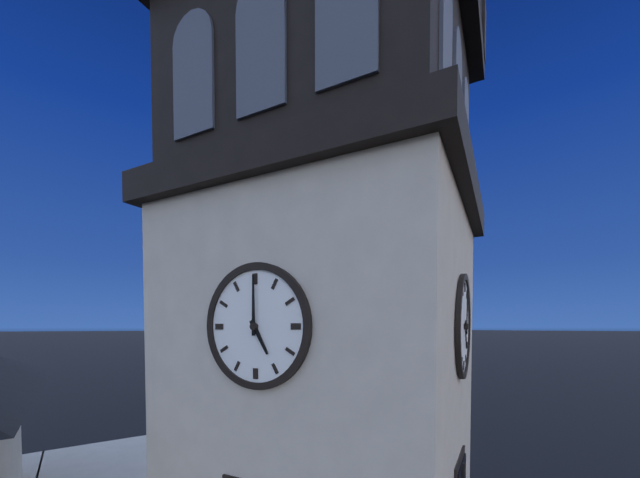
5:00
